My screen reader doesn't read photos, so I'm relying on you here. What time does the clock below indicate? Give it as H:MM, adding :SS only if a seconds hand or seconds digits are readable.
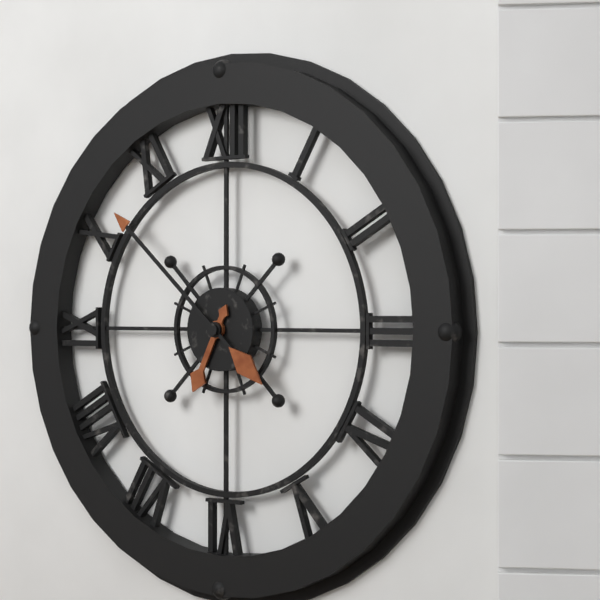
6:52
